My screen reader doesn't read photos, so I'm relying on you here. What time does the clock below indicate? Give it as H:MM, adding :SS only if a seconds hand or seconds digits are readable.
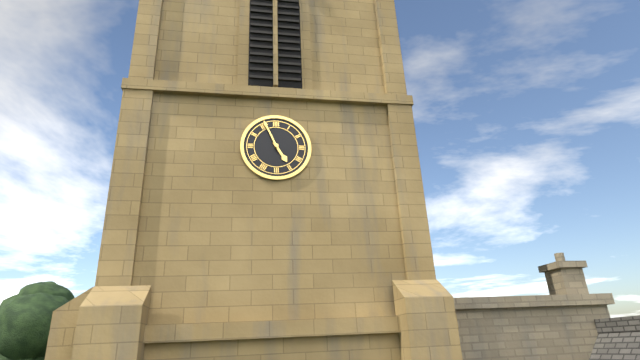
4:56
